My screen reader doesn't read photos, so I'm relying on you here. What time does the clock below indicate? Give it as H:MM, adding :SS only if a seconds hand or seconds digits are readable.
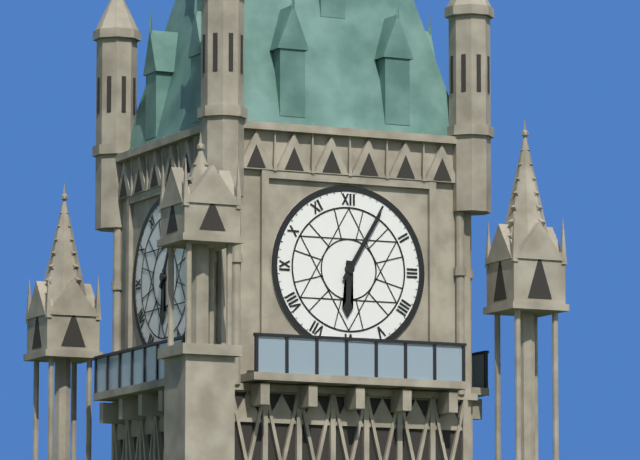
6:05
